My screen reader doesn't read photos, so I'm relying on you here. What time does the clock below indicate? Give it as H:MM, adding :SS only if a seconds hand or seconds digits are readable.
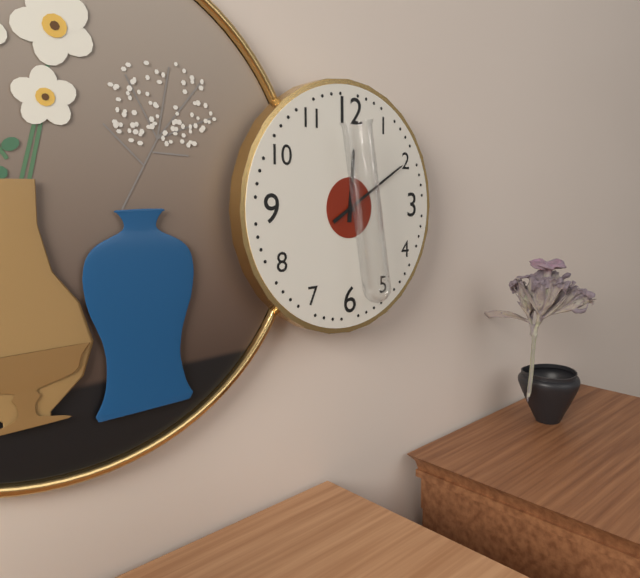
12:10
